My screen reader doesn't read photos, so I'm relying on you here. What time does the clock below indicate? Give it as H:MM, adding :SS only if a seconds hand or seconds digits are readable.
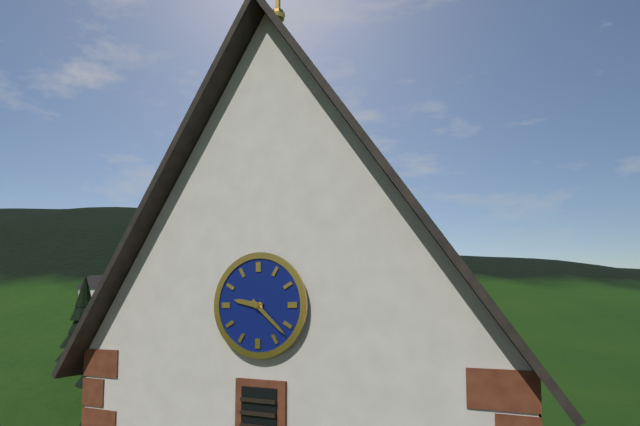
9:22
